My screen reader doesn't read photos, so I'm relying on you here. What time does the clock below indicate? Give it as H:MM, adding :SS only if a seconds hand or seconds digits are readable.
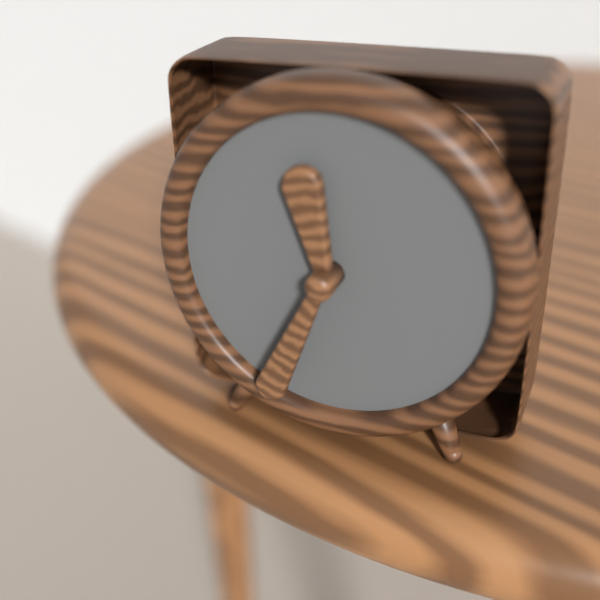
11:34
